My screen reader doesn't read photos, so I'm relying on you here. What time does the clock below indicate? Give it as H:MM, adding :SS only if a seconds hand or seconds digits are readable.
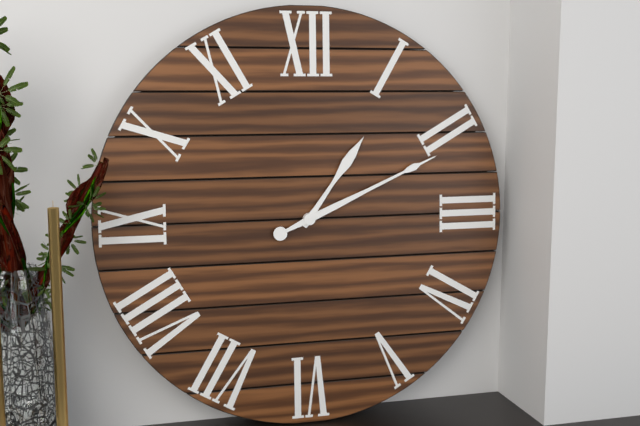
1:11
